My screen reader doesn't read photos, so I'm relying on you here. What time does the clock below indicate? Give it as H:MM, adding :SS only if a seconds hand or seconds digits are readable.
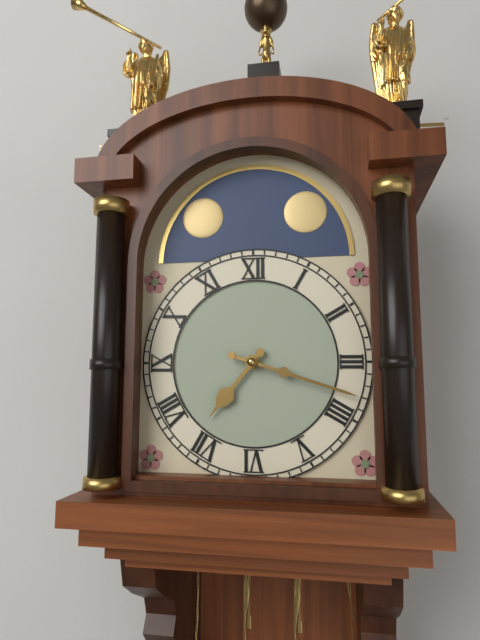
7:18
